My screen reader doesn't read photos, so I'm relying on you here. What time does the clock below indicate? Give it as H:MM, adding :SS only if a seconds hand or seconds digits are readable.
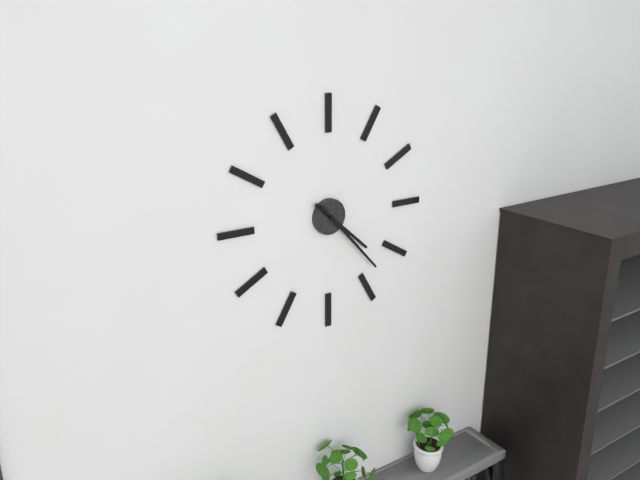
4:23
